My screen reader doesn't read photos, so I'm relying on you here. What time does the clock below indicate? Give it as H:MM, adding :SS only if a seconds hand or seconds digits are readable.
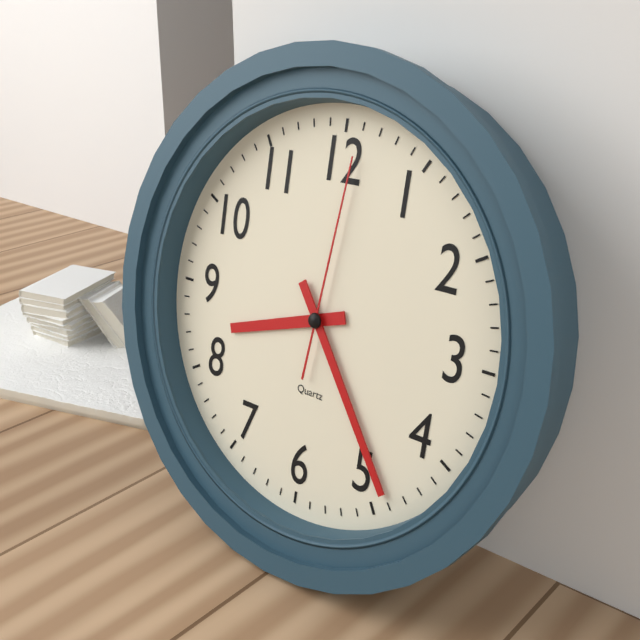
8:24:01
